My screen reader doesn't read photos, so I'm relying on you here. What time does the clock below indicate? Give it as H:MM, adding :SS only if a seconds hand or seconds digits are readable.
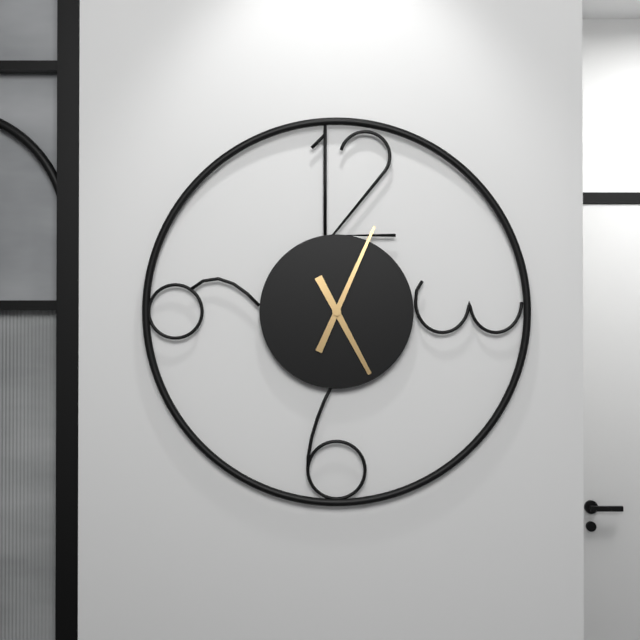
5:04
